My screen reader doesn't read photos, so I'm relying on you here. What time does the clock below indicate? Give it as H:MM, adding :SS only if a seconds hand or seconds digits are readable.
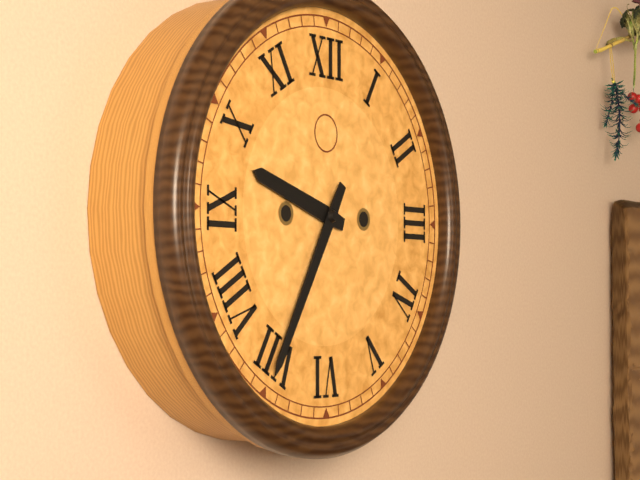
9:35
